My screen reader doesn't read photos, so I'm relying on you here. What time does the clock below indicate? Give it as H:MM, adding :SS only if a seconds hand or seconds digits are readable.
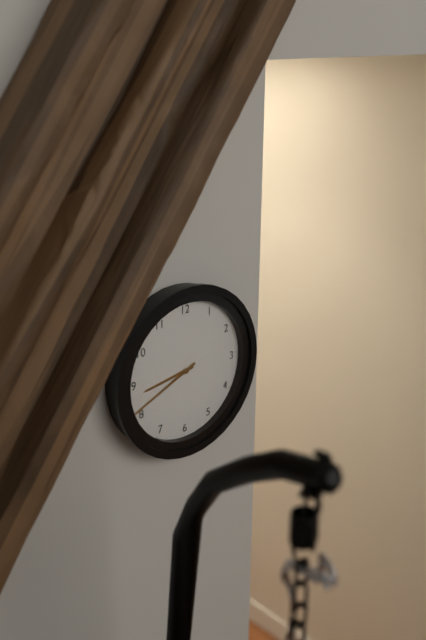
8:41
